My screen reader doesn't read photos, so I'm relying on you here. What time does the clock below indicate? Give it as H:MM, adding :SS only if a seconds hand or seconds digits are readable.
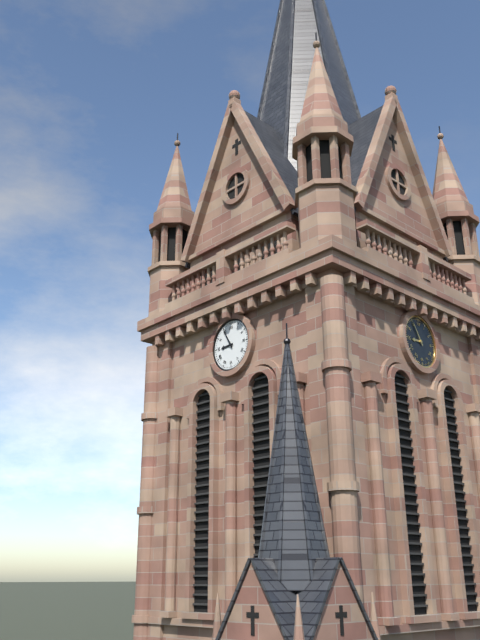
8:55
